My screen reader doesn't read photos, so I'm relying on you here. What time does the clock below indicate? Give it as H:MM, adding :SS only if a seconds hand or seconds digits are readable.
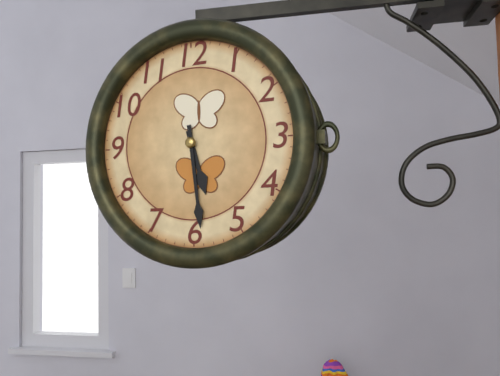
5:29
